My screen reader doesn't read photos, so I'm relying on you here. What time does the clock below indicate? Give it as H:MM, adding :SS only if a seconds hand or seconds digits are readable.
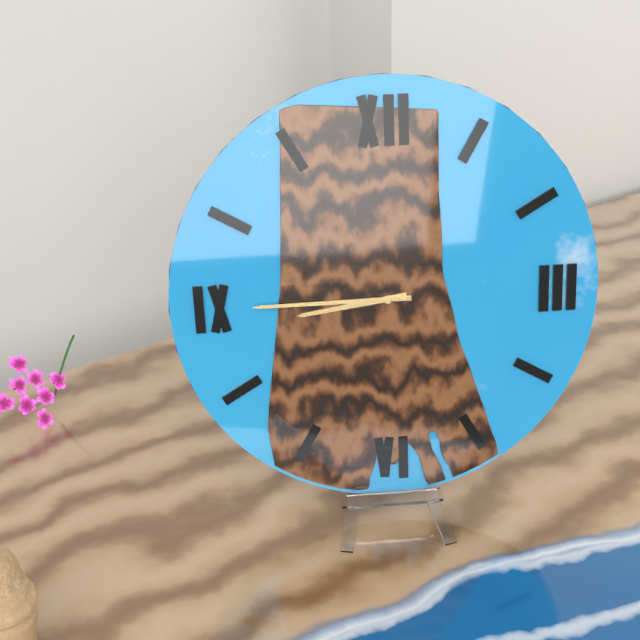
8:45
